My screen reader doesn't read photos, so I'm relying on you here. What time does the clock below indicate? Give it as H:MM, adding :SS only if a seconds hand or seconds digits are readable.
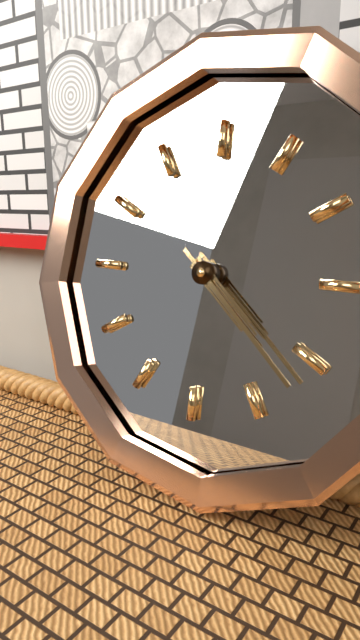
4:22
